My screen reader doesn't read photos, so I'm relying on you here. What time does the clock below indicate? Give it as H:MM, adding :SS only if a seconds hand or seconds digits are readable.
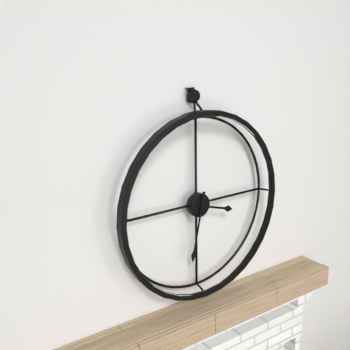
3:32
